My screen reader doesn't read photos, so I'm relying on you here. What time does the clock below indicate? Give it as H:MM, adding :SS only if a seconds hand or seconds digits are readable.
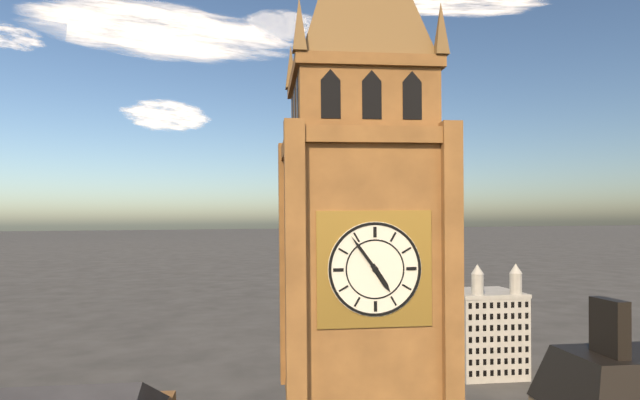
4:54
